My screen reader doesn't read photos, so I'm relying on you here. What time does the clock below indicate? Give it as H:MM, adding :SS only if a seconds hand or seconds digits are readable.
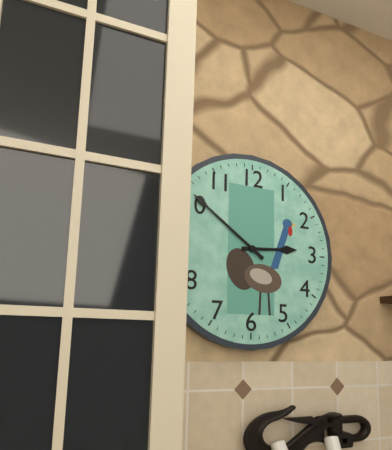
2:51
